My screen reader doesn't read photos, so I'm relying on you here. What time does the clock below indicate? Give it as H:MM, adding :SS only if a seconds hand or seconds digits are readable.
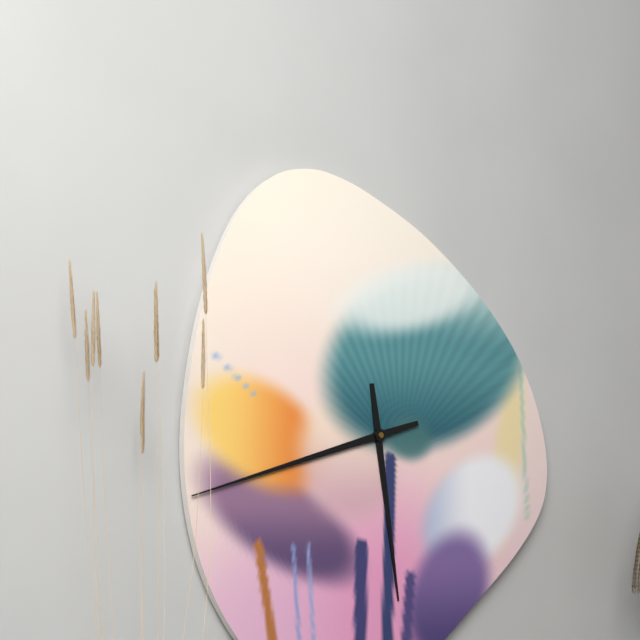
5:42
